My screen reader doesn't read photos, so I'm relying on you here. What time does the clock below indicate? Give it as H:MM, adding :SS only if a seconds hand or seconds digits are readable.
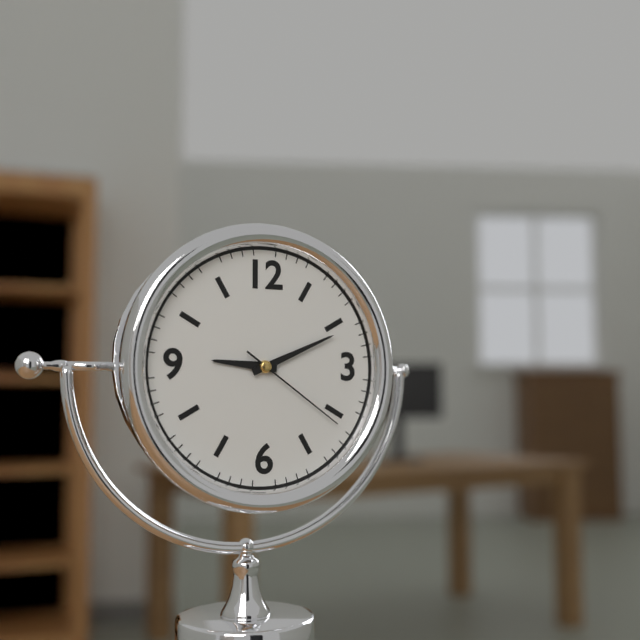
9:11:21
